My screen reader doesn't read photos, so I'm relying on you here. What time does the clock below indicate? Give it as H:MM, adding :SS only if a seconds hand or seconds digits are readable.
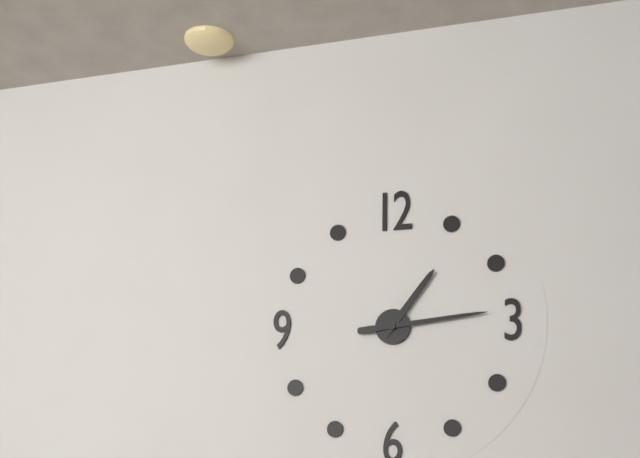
1:14
